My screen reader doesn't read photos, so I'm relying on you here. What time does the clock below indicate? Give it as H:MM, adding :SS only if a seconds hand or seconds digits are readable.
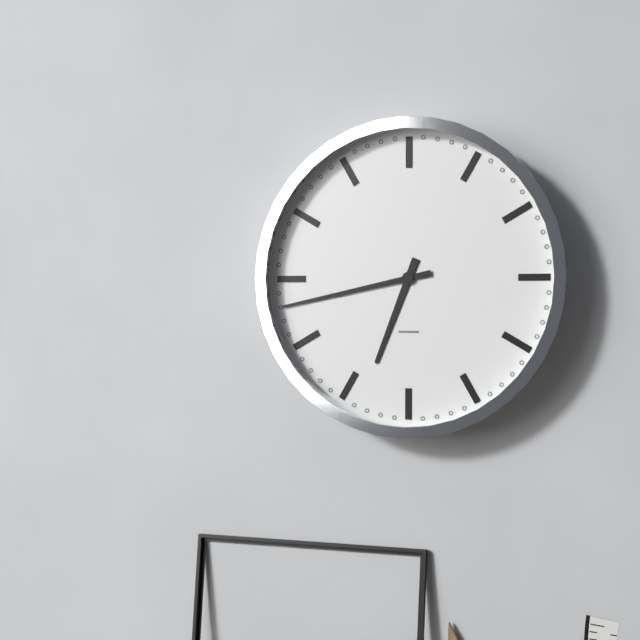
6:43
